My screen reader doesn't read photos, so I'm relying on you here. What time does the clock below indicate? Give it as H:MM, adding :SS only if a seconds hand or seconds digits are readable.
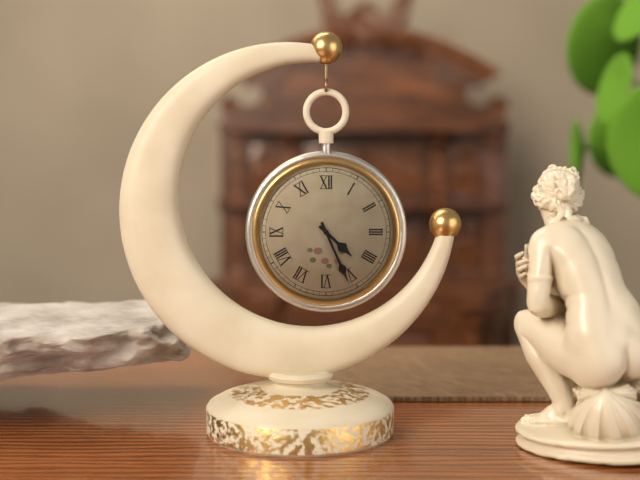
4:26
